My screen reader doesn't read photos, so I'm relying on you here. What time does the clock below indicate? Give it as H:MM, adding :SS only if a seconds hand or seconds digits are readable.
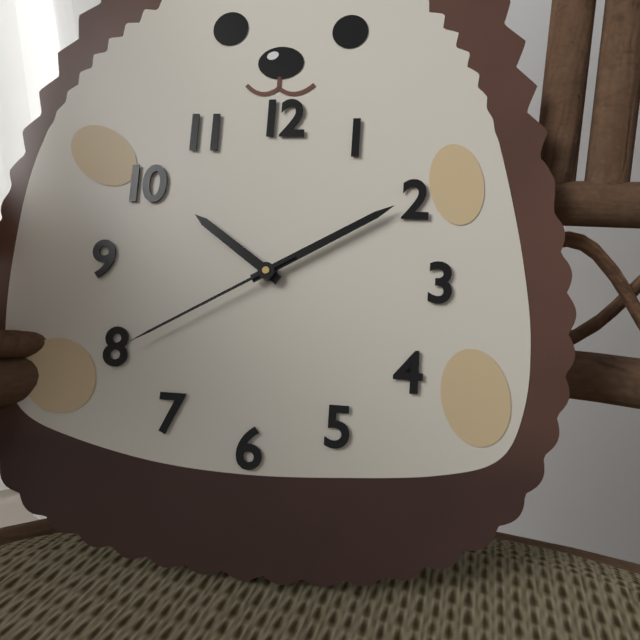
10:10:40
